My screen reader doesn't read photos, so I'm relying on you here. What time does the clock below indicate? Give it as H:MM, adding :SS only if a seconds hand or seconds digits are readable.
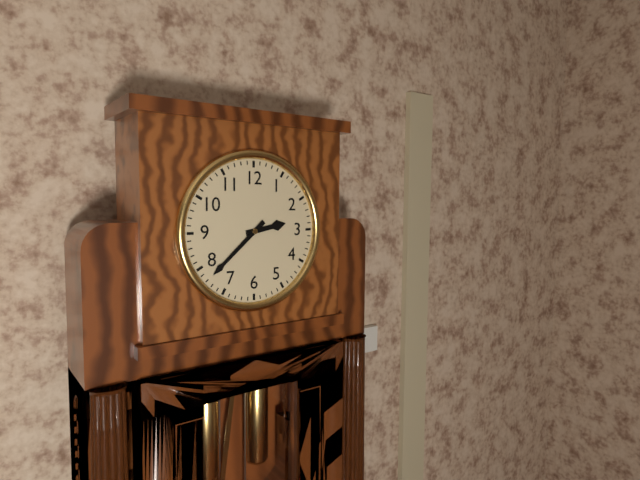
2:38
